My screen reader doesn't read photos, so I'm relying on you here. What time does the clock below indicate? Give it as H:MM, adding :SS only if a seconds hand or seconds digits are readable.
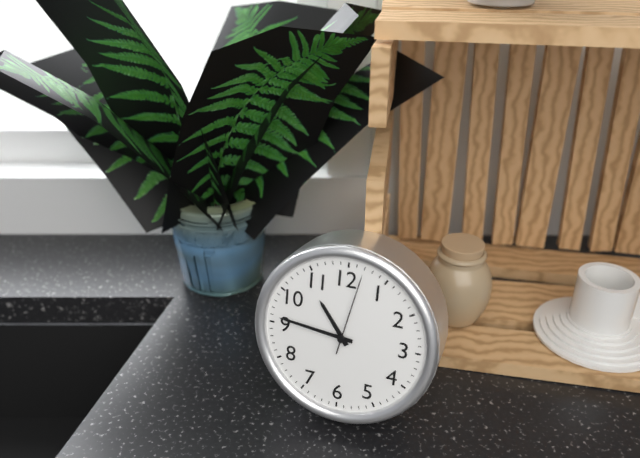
10:46:02
